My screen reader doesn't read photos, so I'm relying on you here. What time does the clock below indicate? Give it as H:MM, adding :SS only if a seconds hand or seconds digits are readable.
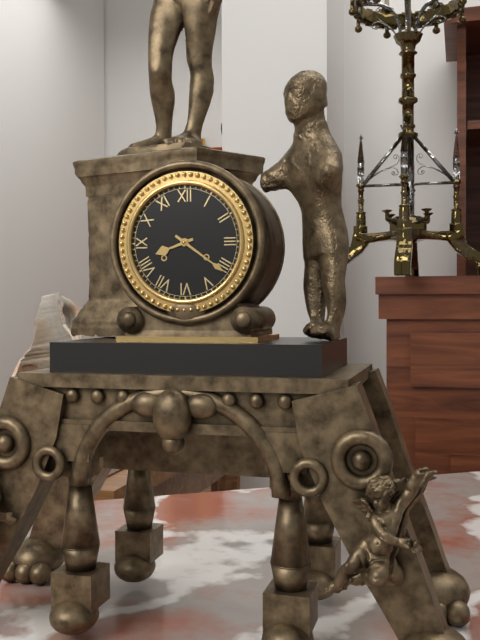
8:21
